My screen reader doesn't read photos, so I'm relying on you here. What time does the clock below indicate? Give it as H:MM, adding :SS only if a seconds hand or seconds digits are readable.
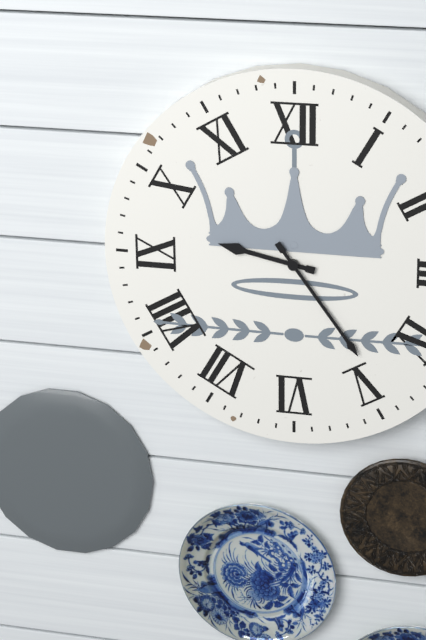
9:24
